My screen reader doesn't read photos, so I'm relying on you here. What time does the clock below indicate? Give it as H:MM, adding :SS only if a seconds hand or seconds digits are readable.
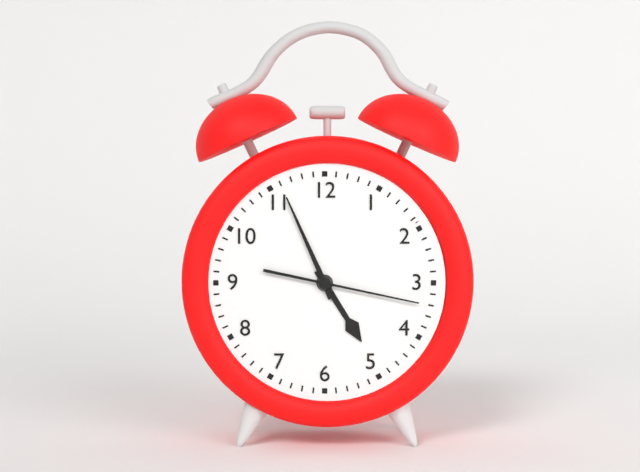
4:56:17
